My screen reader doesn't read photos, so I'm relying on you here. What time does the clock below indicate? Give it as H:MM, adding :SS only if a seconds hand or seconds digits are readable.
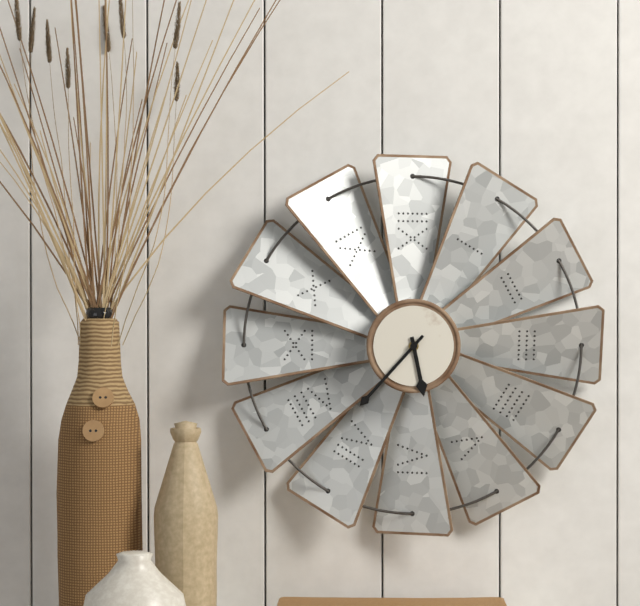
5:37
